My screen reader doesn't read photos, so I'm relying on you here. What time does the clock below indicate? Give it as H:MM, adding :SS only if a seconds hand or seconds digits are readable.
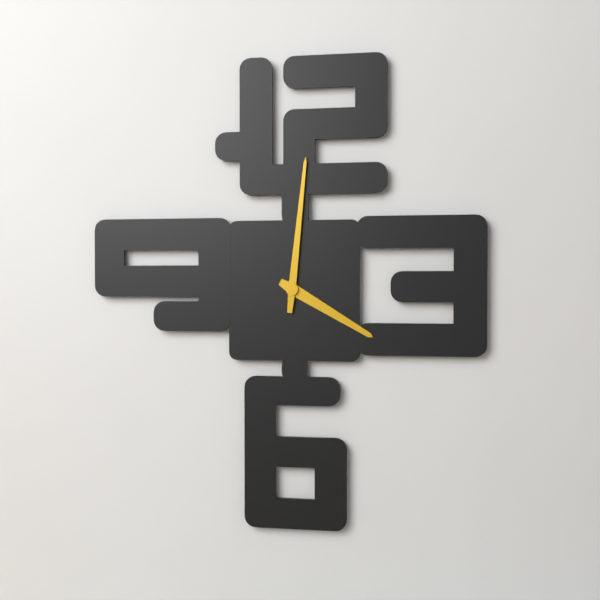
4:01
